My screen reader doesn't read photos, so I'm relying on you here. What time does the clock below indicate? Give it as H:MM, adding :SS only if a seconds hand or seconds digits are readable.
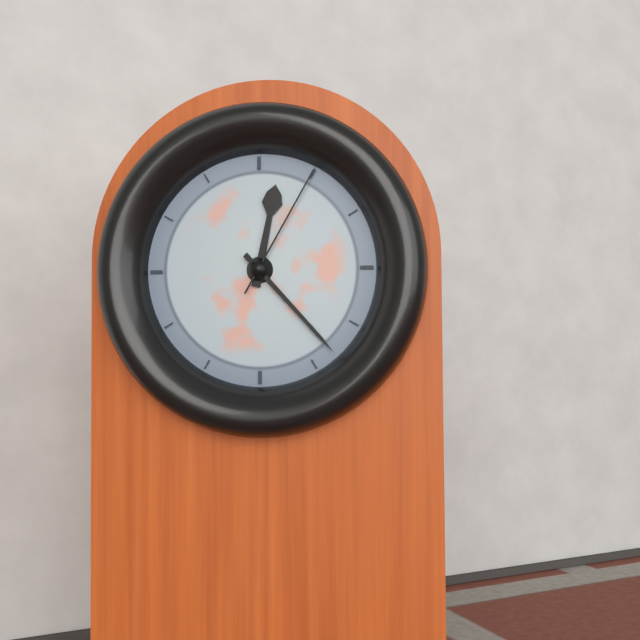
12:23:05
